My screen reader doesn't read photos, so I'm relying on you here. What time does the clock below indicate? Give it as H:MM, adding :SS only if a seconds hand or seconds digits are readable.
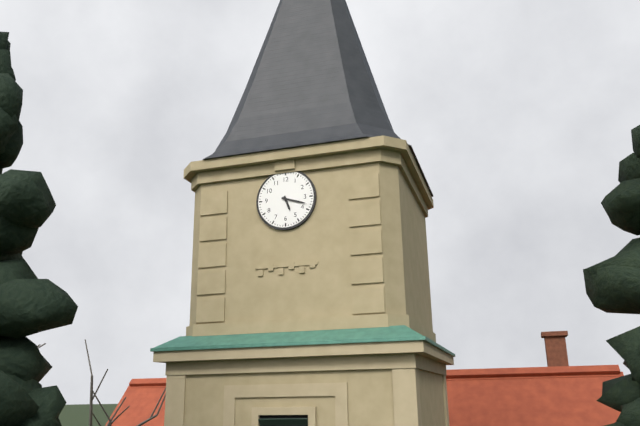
5:18
